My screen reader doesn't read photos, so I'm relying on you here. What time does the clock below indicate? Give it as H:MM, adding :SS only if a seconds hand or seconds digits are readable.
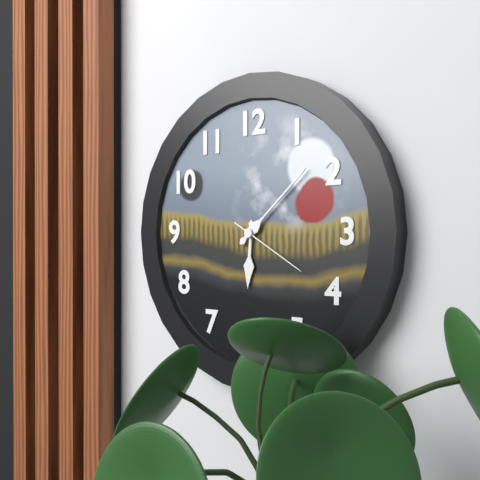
6:08:20
